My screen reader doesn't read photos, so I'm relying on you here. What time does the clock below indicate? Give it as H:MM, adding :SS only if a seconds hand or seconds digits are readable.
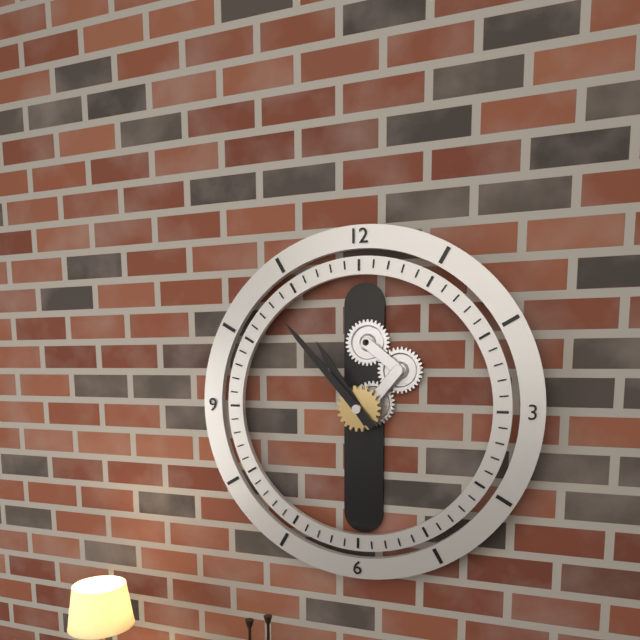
10:53
